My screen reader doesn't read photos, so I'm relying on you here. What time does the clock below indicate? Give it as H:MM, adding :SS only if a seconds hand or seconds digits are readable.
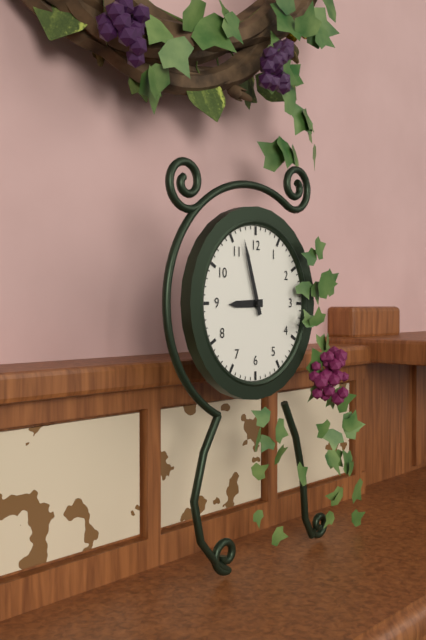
8:57
